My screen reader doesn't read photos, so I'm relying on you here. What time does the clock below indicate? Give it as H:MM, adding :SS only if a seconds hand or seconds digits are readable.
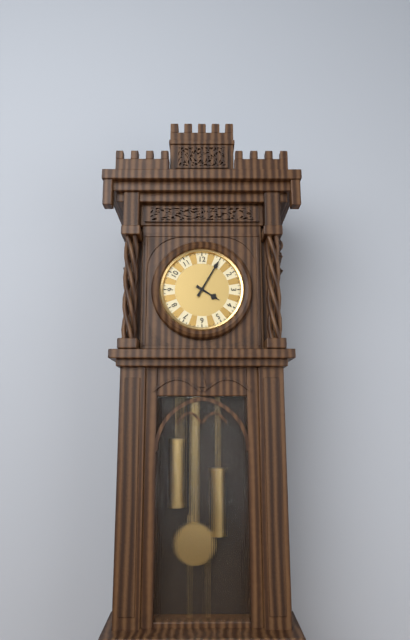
4:05
